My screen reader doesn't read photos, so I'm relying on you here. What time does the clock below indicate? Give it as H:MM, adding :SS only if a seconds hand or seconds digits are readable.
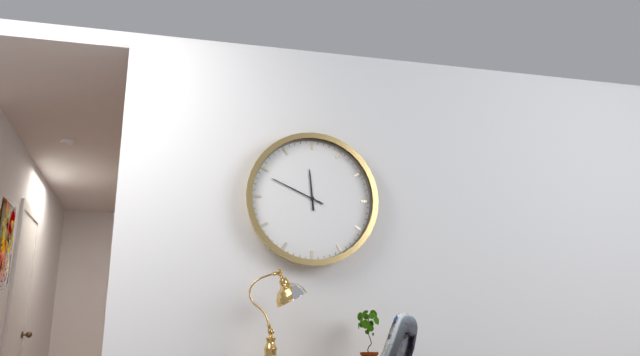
11:49
